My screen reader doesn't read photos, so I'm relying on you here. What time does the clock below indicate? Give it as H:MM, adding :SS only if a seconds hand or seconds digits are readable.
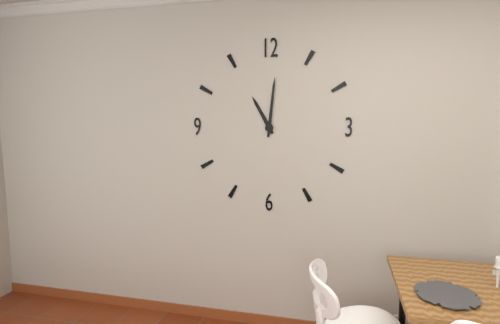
11:01
